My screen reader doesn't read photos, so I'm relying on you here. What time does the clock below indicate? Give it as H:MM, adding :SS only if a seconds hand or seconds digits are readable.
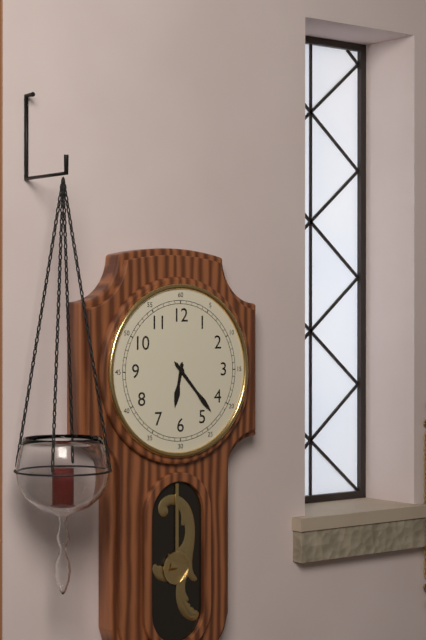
6:23
